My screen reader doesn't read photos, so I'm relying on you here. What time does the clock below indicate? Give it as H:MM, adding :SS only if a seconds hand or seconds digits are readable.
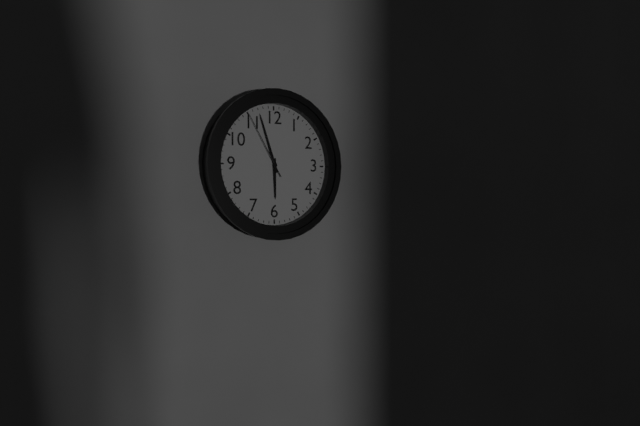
5:57:55
